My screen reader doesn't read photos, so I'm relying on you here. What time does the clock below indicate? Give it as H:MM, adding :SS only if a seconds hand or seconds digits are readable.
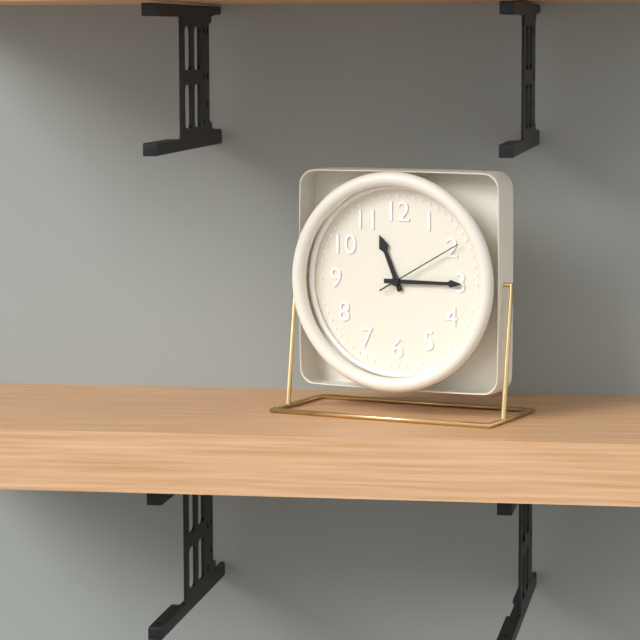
11:15:10
